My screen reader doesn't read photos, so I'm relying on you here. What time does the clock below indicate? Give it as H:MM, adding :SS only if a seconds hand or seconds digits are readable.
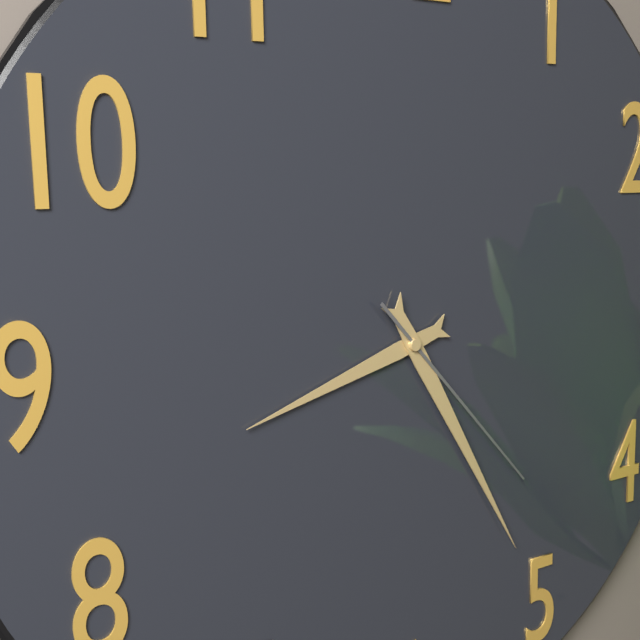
8:25:23
